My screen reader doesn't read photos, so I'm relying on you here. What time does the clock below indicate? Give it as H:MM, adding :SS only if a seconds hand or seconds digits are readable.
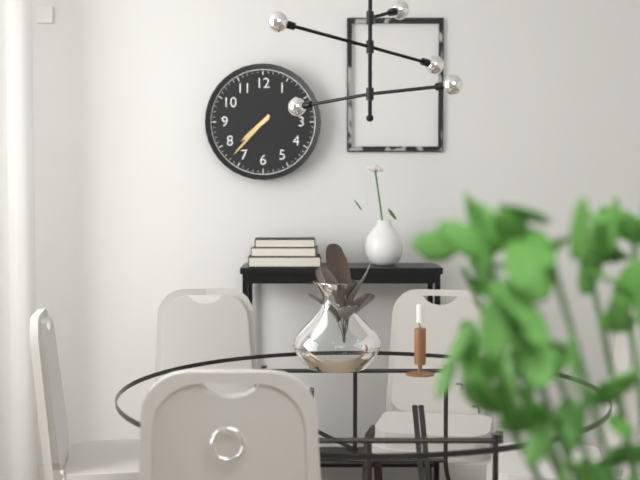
7:37
